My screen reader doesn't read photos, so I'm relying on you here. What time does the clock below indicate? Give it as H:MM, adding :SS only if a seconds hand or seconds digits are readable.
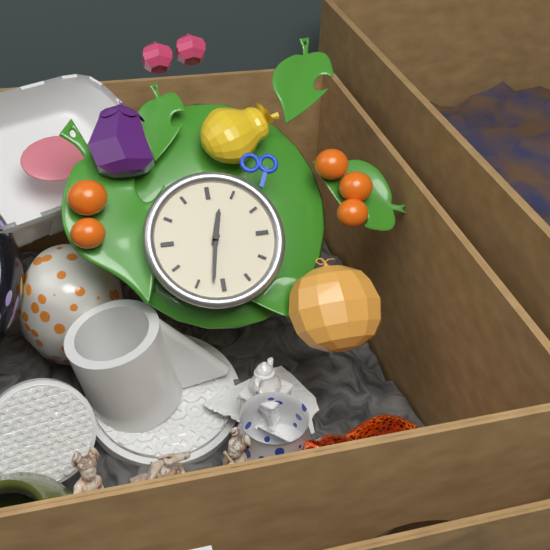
12:32
